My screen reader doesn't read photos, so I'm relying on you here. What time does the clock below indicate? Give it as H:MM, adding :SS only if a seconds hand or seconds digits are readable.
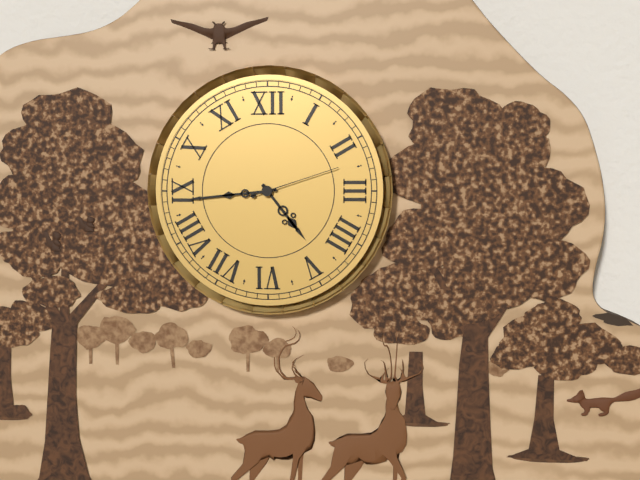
4:44:12
